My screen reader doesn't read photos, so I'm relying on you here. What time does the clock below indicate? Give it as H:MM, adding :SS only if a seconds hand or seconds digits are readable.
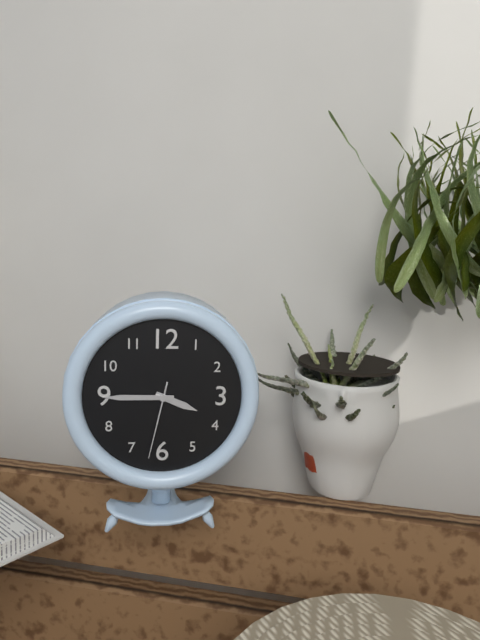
3:45:32
